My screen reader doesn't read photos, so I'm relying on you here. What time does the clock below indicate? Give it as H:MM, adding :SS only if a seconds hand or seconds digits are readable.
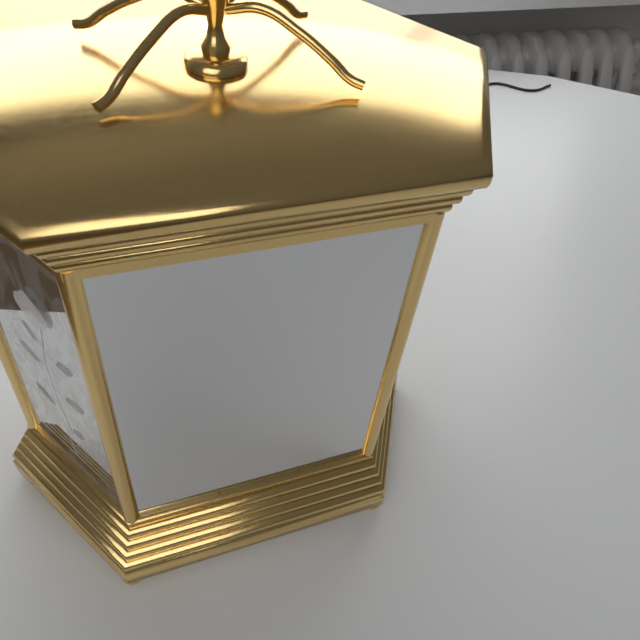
10:18
